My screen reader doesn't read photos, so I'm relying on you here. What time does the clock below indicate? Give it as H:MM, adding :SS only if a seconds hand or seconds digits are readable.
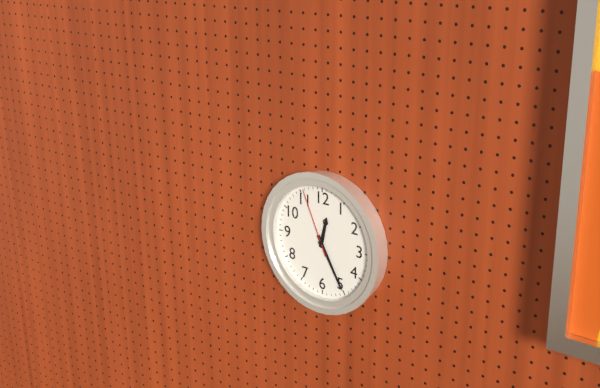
12:25:56
